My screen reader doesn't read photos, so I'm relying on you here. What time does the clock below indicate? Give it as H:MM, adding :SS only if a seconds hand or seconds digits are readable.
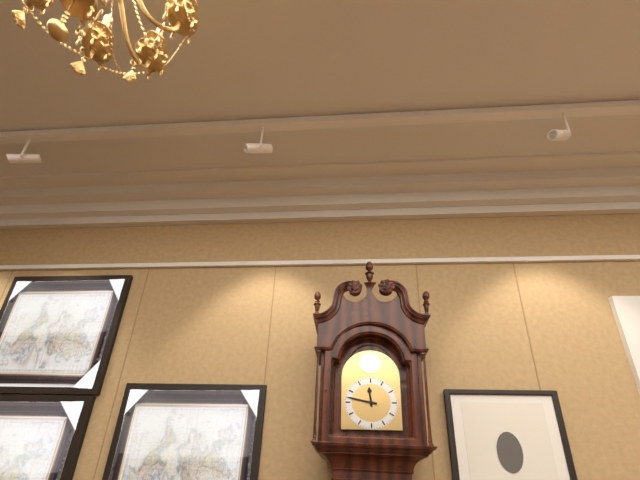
11:47
